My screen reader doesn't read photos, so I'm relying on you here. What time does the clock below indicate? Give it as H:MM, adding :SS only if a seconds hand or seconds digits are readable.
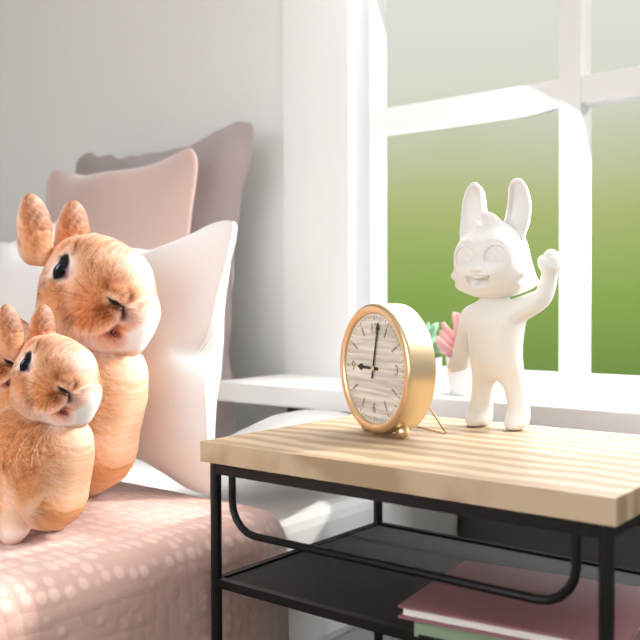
9:02
